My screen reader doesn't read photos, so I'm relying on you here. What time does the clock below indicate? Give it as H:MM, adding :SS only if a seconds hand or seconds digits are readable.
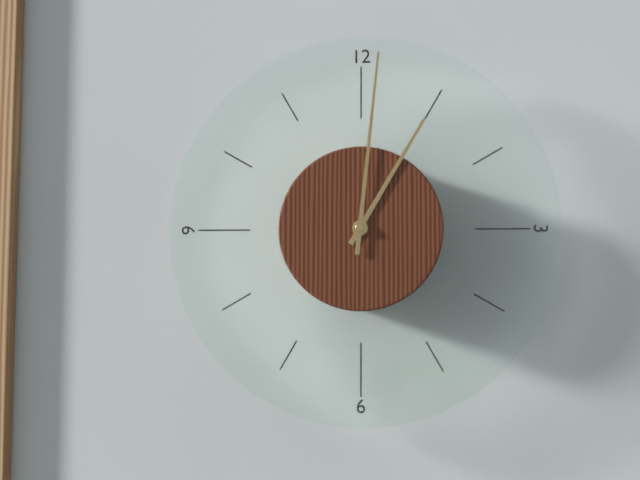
1:01
